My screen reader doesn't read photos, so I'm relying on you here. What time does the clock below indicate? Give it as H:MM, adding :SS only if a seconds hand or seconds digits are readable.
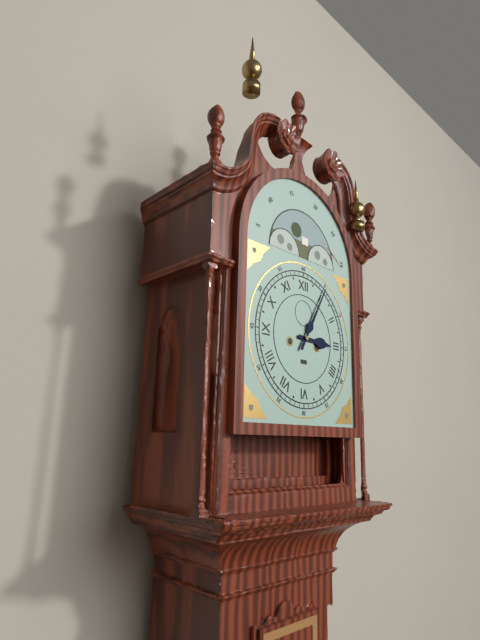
3:05
